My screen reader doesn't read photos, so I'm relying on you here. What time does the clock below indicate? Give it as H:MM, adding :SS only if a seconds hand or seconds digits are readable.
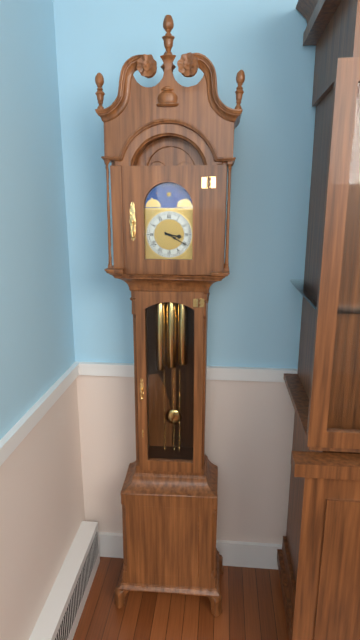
3:20
